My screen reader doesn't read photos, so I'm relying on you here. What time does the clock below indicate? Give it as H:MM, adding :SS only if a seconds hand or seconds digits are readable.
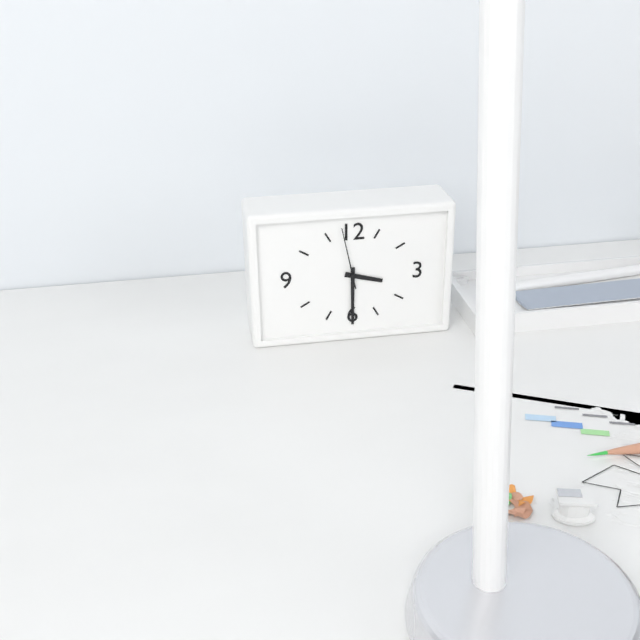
3:30:58
